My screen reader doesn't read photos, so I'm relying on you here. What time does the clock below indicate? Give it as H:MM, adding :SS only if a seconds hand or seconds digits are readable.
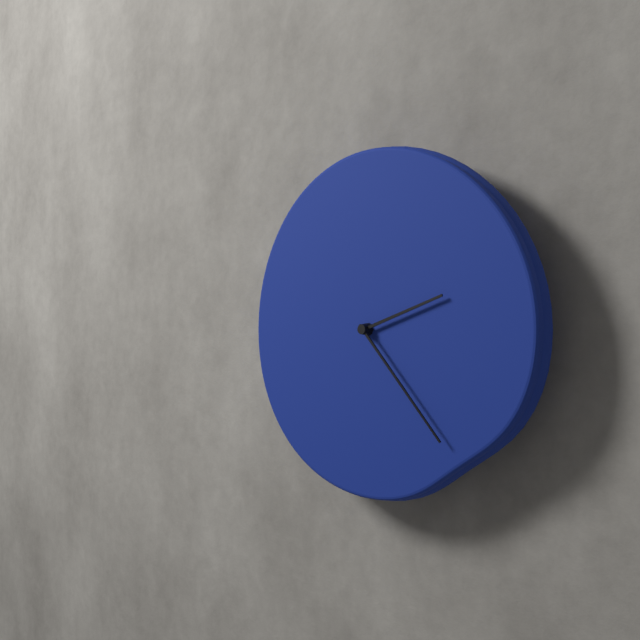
2:23
